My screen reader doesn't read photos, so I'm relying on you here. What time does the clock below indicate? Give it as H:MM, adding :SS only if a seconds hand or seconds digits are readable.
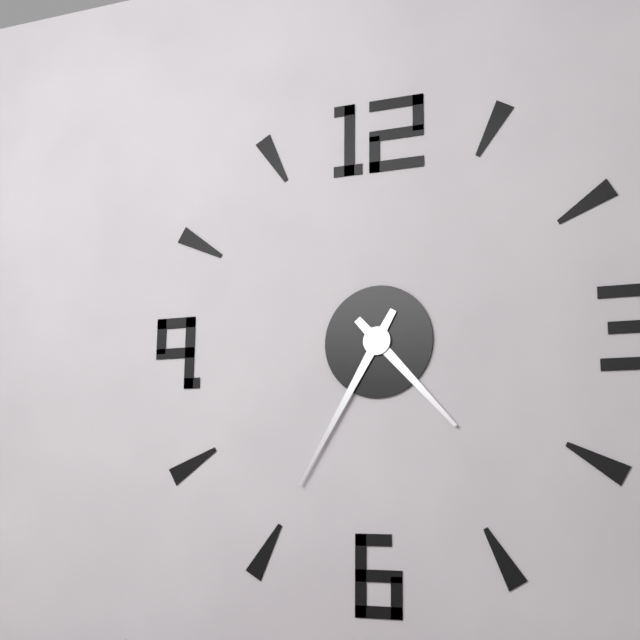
4:35
